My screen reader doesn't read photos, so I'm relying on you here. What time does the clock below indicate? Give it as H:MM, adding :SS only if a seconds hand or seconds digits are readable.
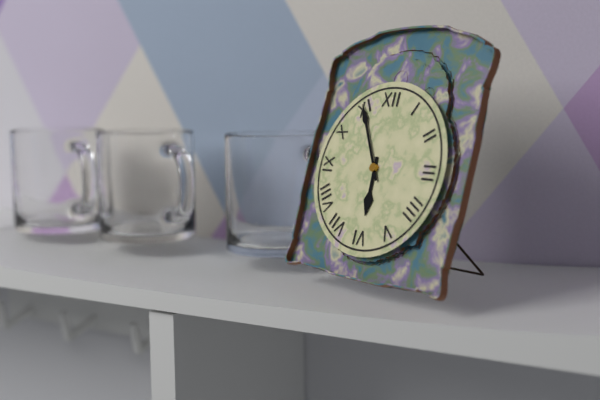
5:55
